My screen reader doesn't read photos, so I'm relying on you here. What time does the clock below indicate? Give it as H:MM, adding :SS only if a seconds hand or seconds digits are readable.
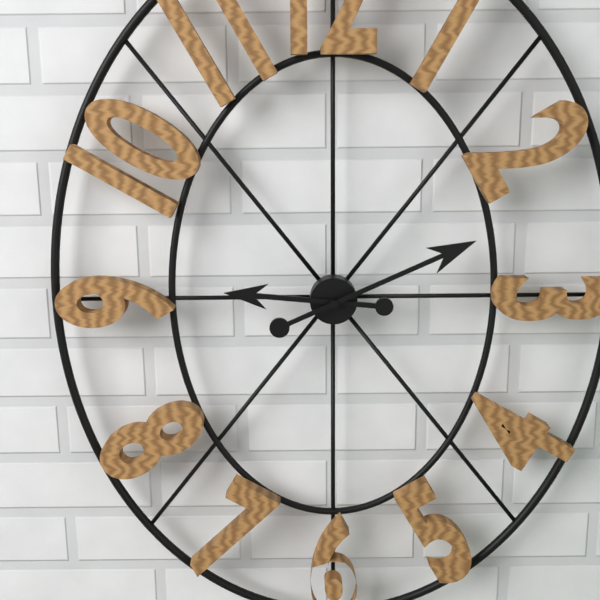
9:11
